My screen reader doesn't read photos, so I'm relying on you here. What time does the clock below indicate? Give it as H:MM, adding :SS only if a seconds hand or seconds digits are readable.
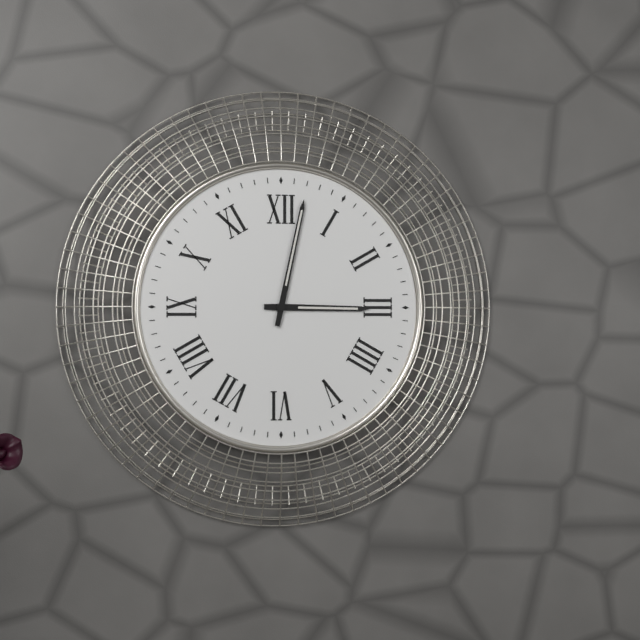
3:02
